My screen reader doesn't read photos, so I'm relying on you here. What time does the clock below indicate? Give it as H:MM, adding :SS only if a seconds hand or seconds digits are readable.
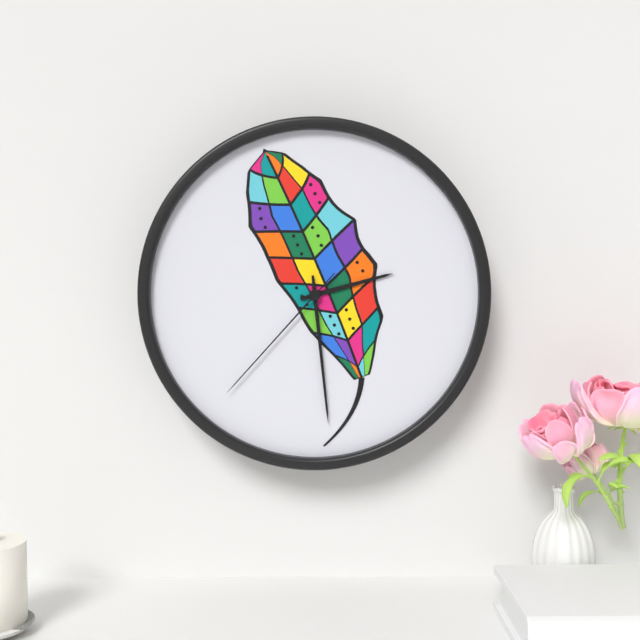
2:29:37
